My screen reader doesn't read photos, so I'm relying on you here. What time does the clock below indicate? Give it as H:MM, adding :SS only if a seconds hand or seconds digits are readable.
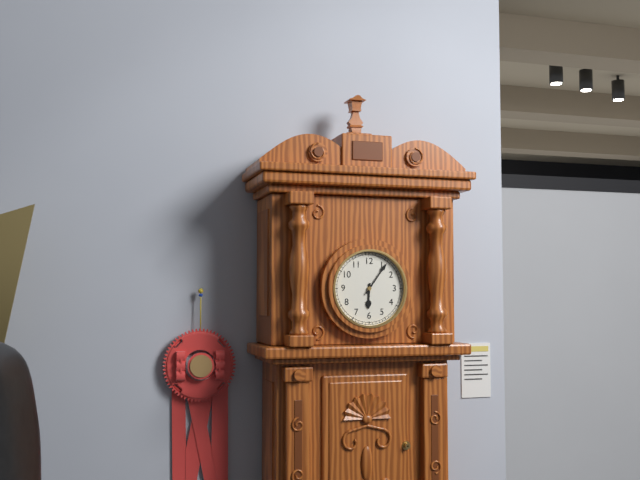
6:06
